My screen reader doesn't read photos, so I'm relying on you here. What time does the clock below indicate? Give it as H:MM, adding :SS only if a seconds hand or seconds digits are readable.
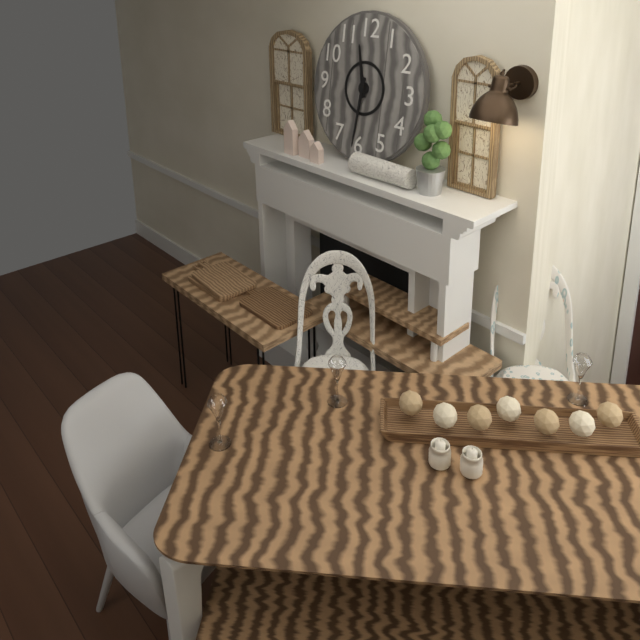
11:31
